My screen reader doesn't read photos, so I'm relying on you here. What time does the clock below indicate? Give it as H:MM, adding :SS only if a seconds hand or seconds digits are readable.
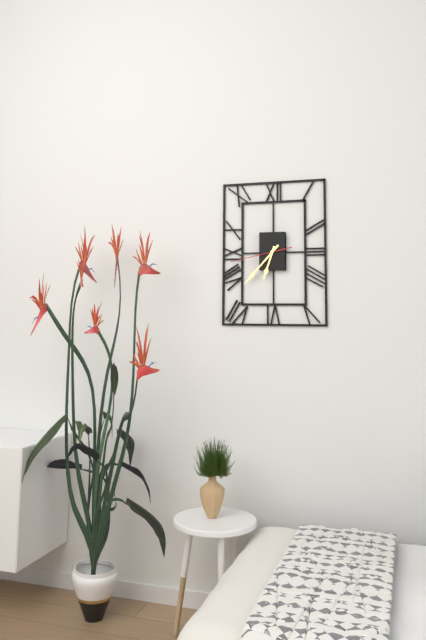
6:37:43
